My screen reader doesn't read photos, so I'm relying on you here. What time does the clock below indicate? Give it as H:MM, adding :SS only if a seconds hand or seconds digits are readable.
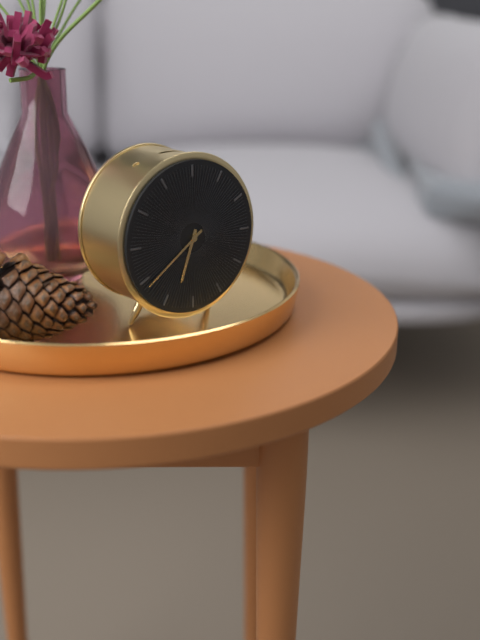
6:39
